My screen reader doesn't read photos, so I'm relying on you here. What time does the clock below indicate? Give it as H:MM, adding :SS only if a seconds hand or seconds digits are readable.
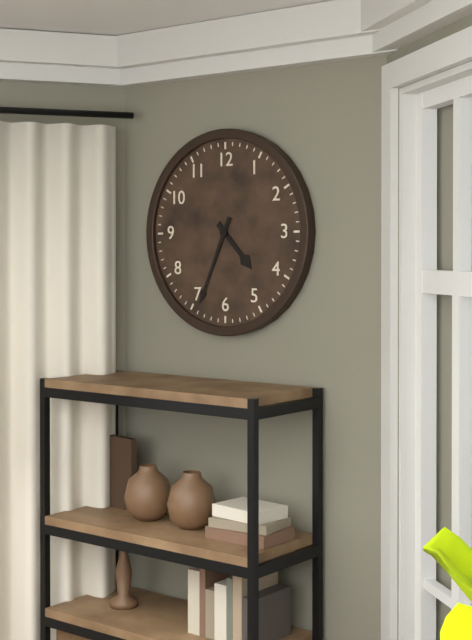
4:34
